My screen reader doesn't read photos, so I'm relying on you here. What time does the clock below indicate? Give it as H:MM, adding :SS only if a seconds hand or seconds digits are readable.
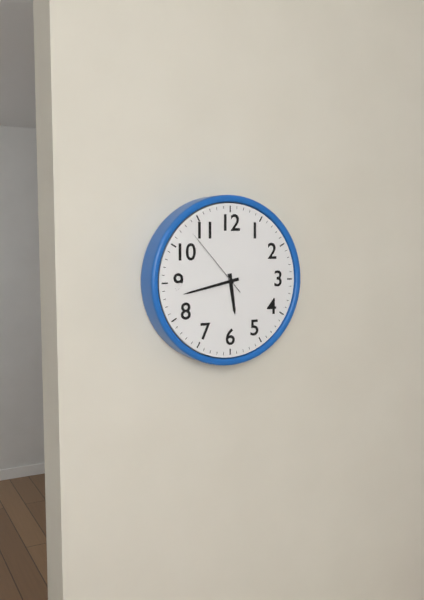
5:43:53
